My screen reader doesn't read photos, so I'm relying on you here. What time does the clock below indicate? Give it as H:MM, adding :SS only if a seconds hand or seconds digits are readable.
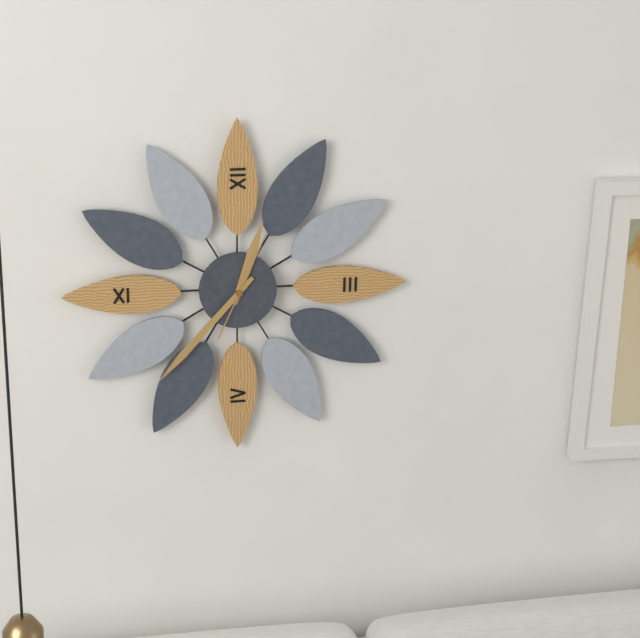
12:37:04
